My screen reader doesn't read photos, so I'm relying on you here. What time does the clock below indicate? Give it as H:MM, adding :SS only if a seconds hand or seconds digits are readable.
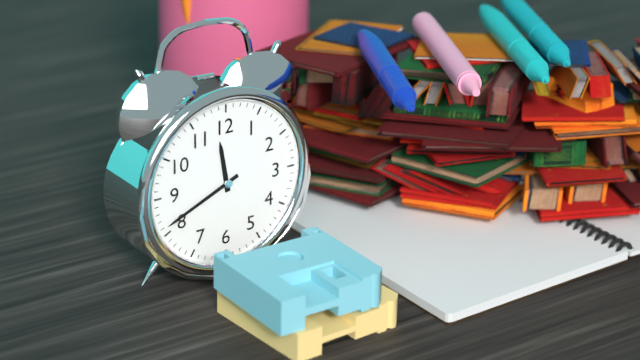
11:41
